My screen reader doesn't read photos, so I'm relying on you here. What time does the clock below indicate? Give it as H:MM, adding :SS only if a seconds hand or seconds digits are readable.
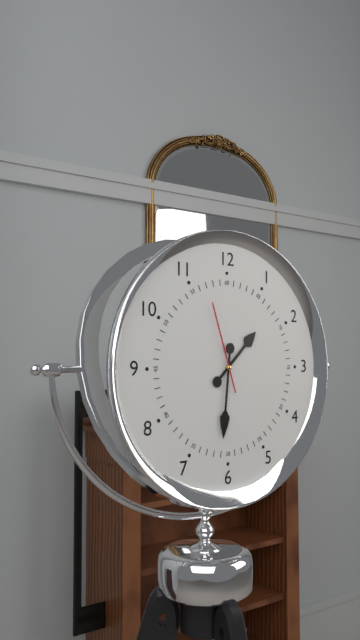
1:31:57
